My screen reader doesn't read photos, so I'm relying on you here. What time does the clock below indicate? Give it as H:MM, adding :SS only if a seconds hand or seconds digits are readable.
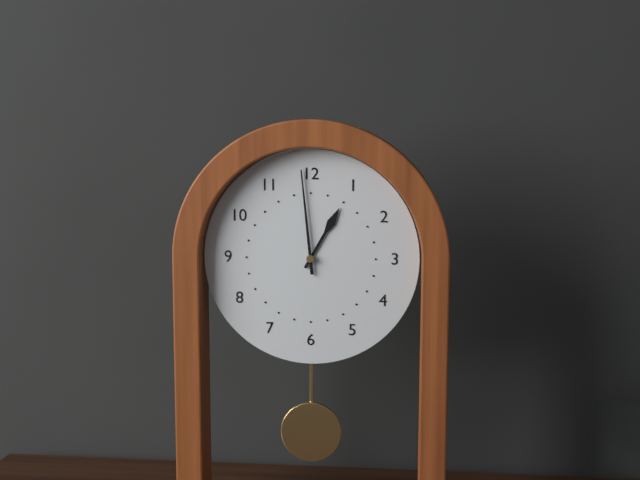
12:59
